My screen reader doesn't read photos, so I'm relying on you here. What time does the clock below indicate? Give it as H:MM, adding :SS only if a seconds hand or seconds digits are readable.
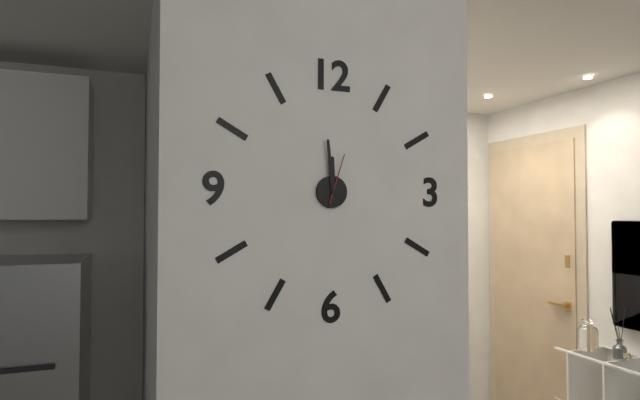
11:59
